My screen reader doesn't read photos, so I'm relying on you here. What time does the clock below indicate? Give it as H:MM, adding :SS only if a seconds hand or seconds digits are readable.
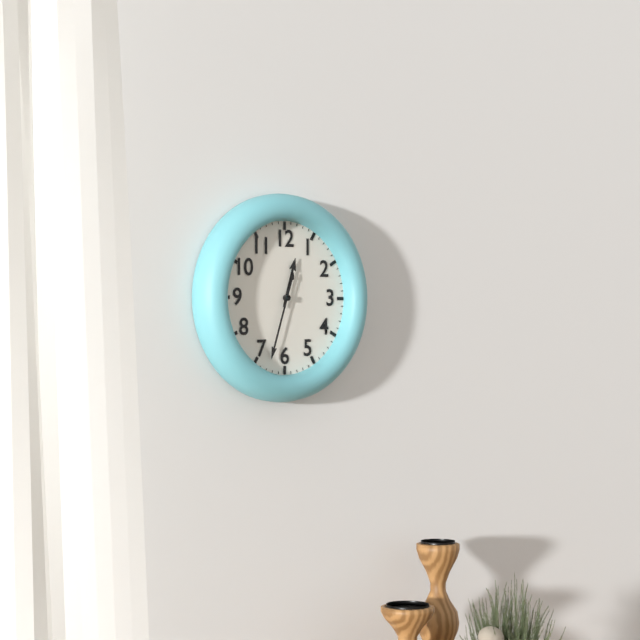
12:33
